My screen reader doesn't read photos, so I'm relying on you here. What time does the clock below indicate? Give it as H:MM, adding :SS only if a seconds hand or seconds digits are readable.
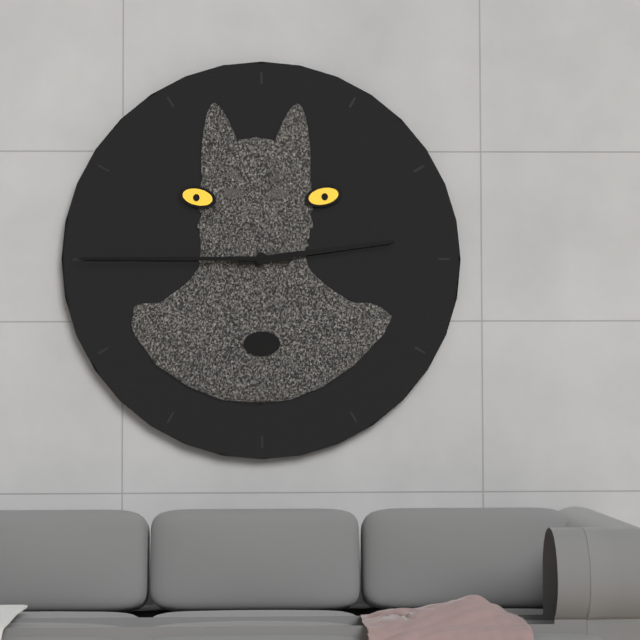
2:45
